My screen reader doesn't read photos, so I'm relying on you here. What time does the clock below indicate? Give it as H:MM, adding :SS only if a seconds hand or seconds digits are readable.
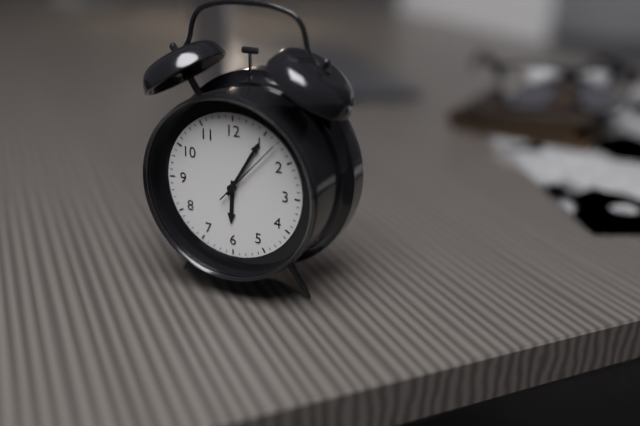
6:05:07
